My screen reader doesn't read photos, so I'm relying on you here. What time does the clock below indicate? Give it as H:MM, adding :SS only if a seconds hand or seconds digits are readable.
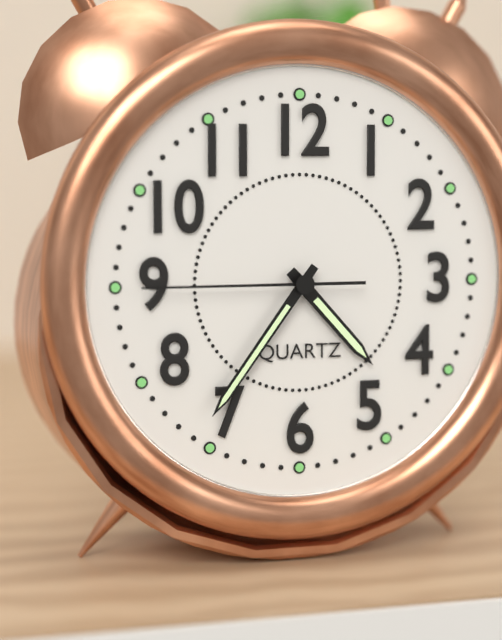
4:36:45
